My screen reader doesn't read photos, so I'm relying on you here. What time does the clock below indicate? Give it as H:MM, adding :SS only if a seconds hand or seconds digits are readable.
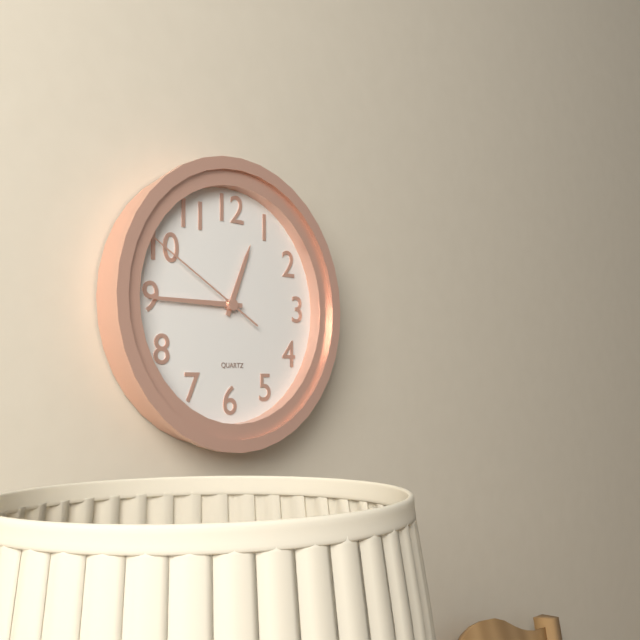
12:45:50
